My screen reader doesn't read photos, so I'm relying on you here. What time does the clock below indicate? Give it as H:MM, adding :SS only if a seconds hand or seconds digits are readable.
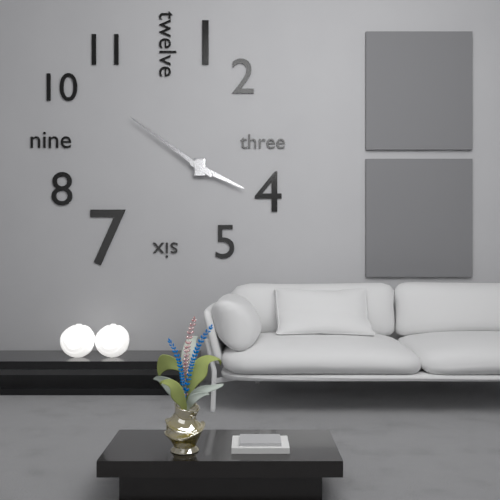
3:51
